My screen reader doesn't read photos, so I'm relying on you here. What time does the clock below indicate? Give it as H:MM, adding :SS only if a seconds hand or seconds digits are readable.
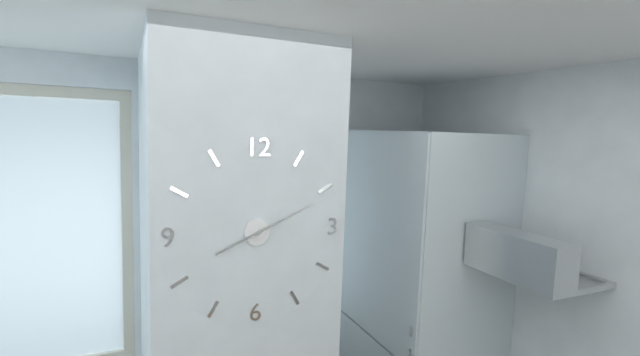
8:11
